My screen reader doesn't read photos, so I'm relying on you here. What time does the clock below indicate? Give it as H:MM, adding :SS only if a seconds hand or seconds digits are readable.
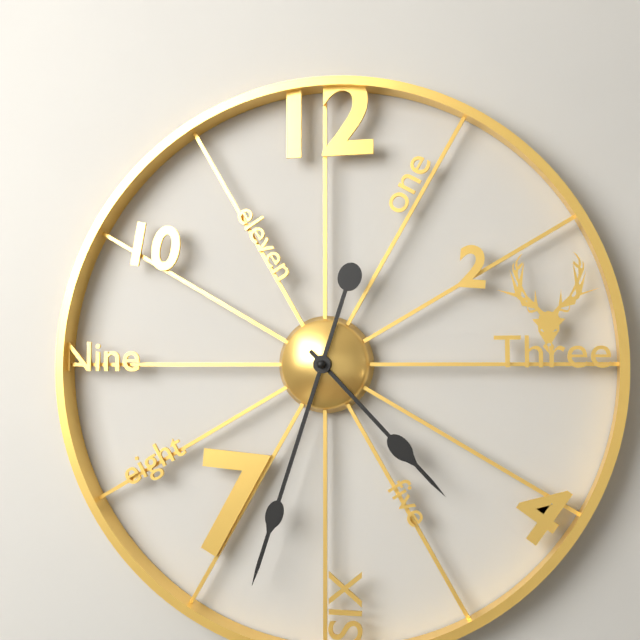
4:33
